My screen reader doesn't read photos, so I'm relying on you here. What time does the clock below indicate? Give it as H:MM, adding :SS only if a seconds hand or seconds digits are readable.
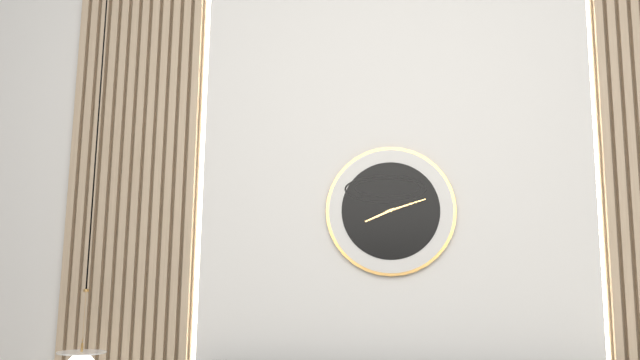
8:12
